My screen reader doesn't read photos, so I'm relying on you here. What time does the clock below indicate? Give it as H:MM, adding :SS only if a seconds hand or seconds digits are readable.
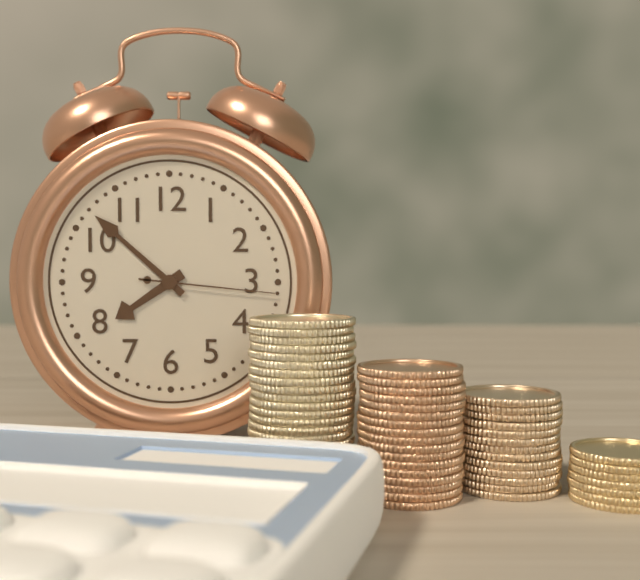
7:52:16
